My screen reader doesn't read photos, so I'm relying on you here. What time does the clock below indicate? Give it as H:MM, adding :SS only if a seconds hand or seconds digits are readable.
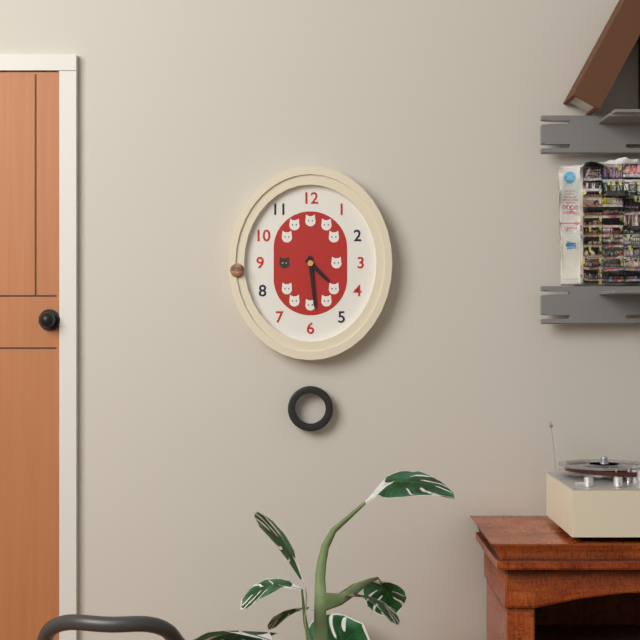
4:29
